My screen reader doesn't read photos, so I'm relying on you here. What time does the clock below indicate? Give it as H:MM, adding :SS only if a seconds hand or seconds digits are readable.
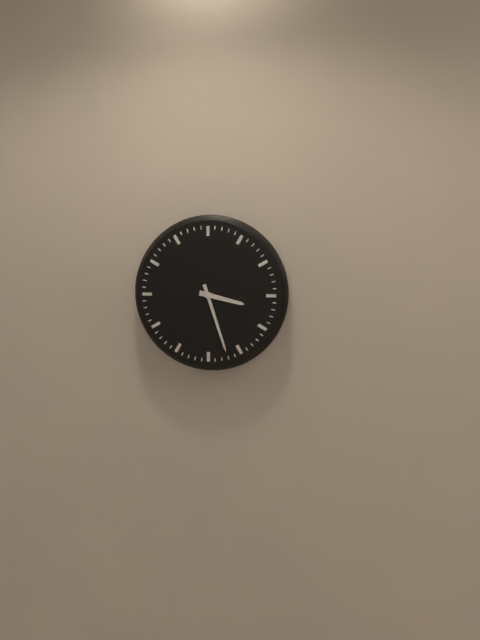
3:27
